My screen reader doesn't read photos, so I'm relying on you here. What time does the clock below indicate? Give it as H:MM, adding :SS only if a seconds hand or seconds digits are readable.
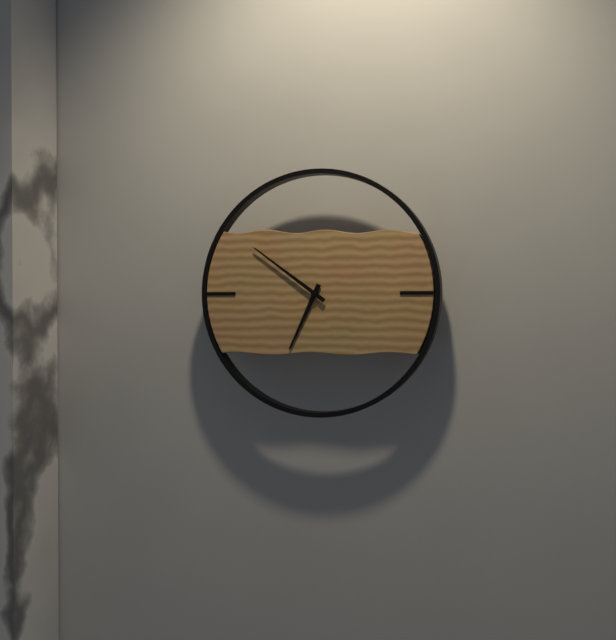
6:51
